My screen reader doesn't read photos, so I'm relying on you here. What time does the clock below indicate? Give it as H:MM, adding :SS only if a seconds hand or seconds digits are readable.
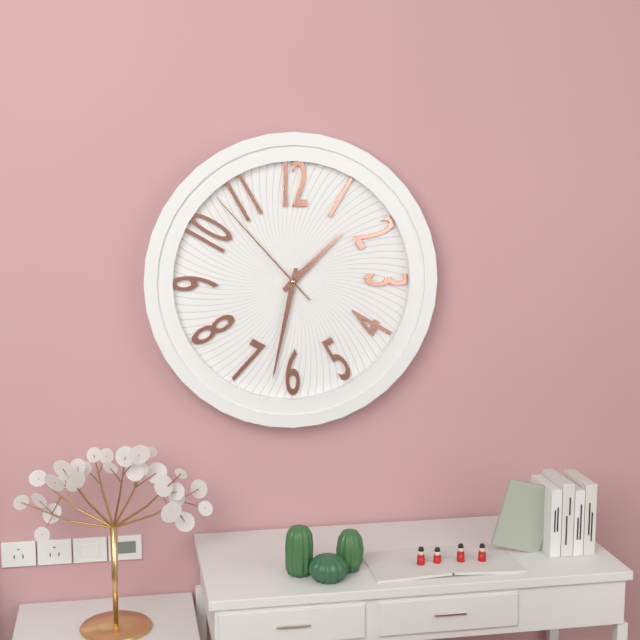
1:32:53
